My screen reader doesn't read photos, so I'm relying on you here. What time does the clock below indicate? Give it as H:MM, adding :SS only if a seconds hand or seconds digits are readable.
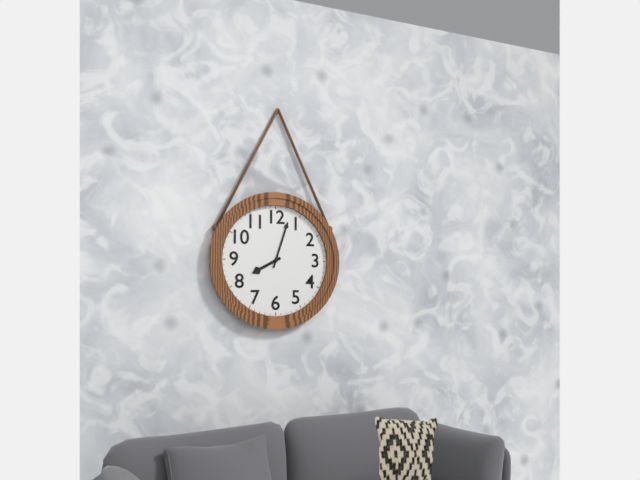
8:03
